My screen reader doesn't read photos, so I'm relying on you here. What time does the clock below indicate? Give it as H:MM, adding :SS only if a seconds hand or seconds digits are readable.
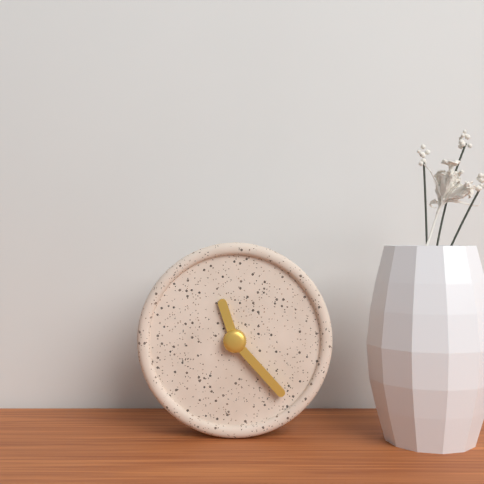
11:23
